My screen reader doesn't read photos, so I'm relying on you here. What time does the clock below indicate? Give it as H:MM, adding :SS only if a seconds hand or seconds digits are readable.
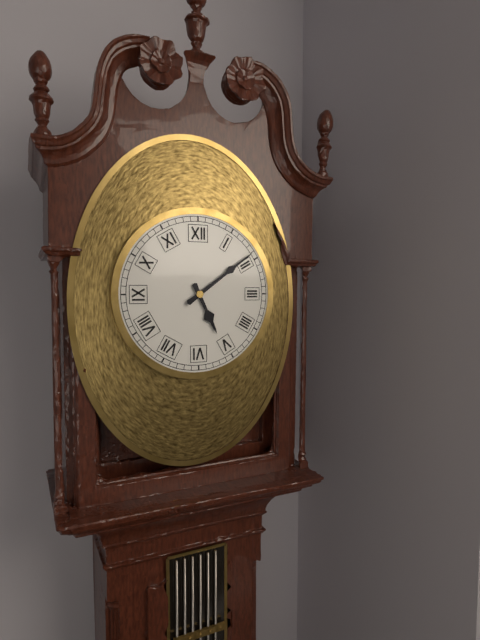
5:09
